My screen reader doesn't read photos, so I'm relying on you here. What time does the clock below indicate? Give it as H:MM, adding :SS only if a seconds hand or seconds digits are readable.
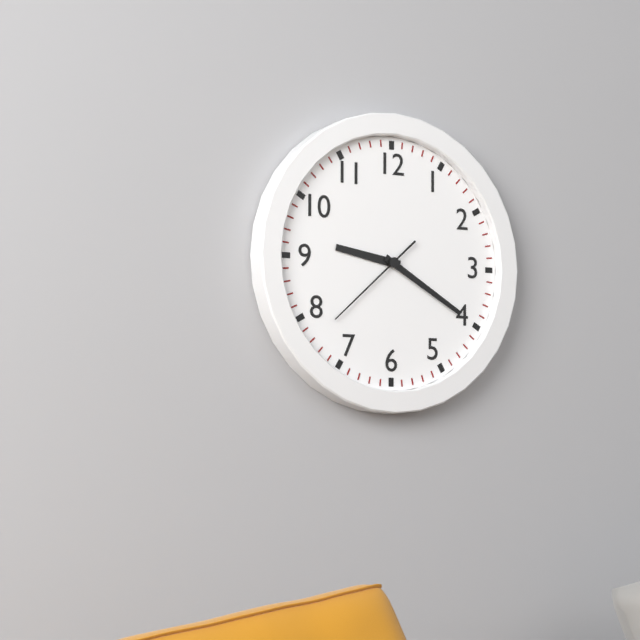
9:20:38
